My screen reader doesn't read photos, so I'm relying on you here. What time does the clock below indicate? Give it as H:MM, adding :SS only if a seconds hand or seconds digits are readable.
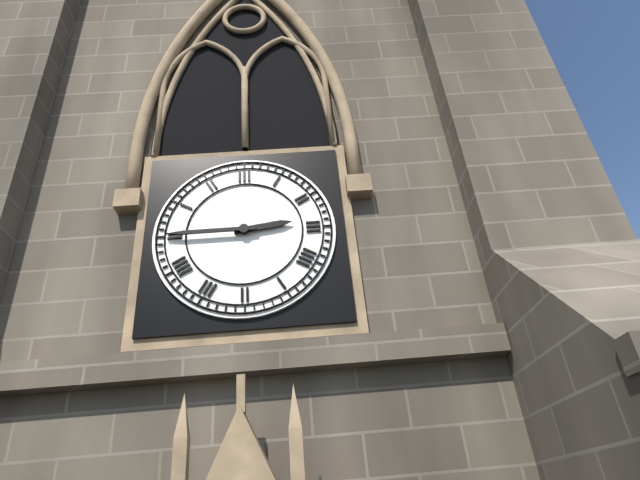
2:45
